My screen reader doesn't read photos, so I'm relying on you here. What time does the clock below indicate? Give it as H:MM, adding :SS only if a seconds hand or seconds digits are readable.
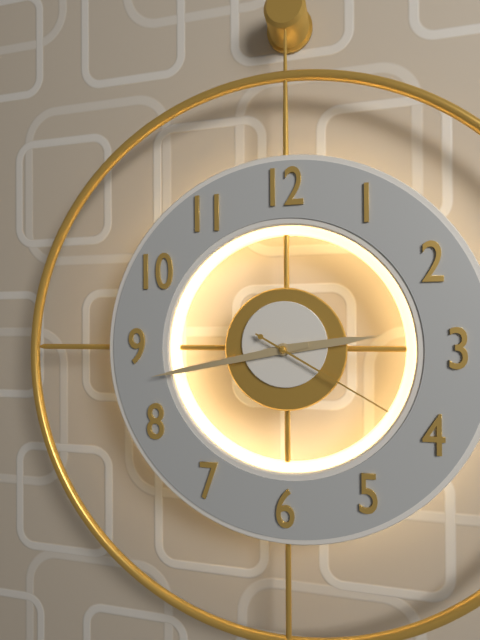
2:43:20
